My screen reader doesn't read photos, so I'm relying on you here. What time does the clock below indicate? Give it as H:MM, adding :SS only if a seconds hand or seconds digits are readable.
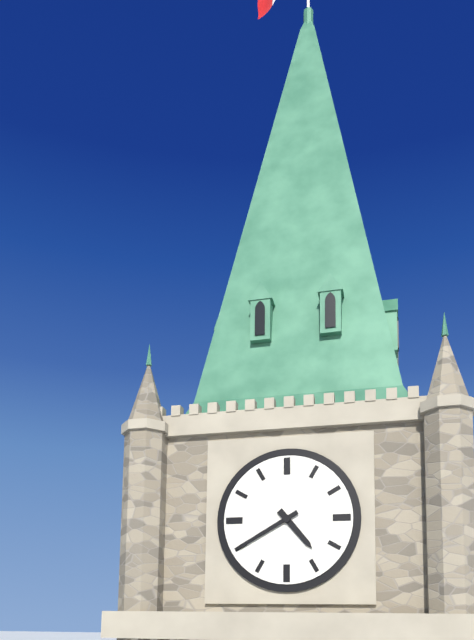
4:40
